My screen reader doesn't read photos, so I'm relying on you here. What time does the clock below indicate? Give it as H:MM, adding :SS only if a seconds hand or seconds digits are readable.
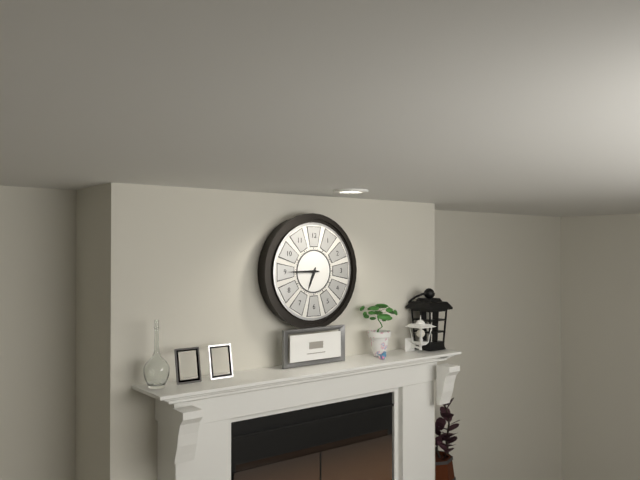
6:45
